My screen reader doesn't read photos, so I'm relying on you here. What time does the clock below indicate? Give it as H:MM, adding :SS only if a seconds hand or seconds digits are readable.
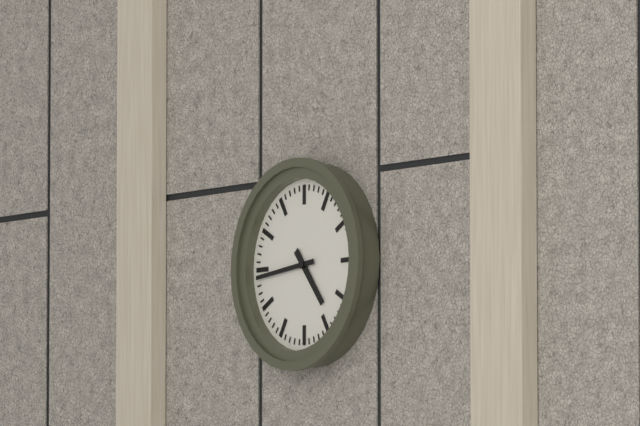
4:44
